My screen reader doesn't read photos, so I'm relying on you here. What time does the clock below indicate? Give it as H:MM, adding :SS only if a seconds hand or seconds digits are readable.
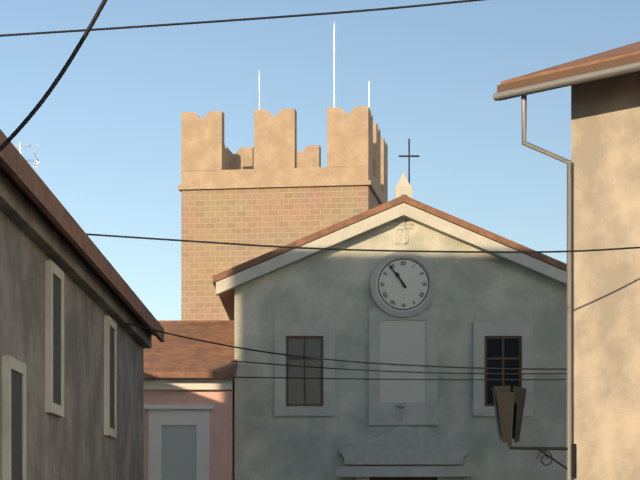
10:54
